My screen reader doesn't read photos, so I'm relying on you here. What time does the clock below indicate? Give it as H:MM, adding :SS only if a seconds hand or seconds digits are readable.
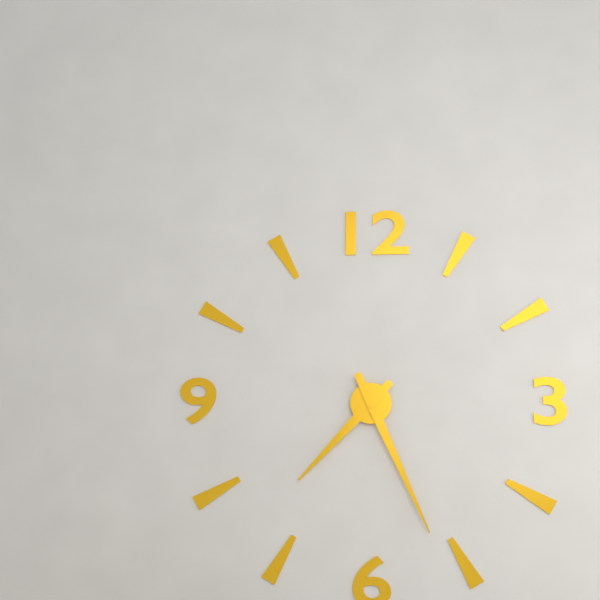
7:26
